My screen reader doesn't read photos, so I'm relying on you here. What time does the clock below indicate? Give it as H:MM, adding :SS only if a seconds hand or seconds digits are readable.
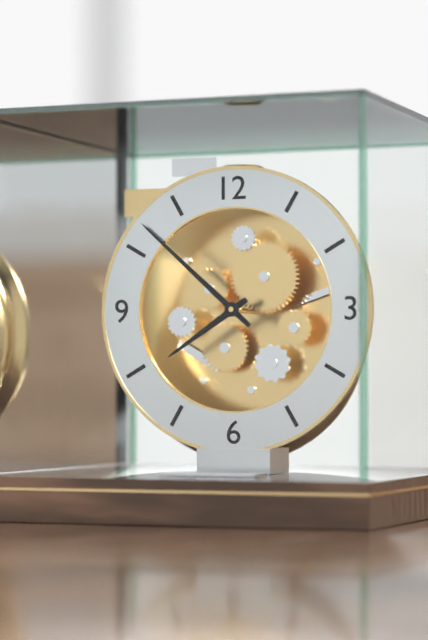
7:52
